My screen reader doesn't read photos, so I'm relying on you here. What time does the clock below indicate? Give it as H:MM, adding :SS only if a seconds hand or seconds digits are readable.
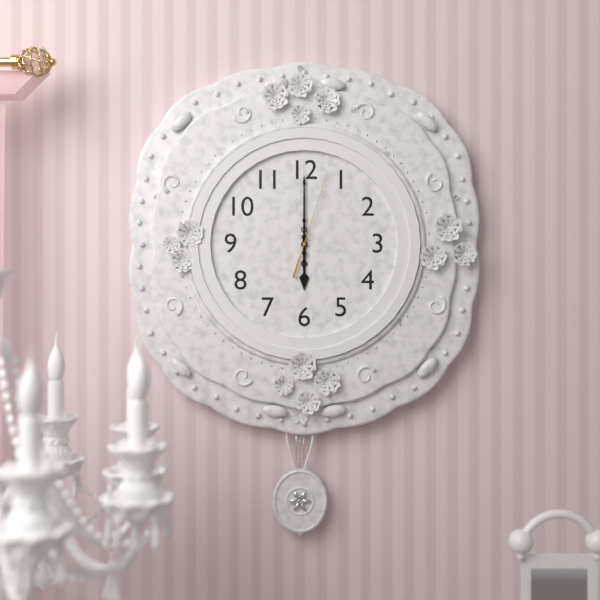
6:00:03
